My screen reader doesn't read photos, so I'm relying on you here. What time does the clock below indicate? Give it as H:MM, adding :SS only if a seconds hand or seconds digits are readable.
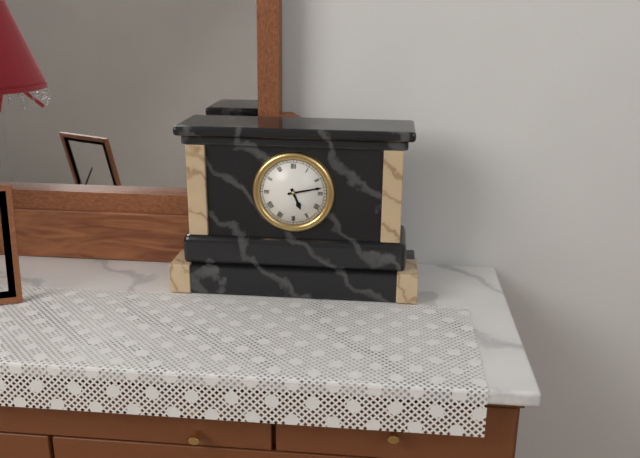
5:13
